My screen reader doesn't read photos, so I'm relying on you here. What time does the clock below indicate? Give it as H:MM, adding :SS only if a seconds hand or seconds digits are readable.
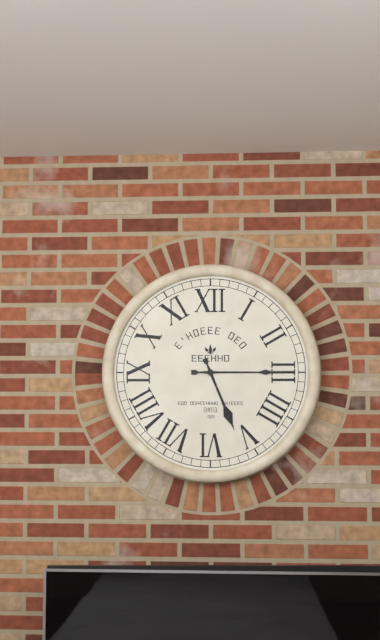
5:15
